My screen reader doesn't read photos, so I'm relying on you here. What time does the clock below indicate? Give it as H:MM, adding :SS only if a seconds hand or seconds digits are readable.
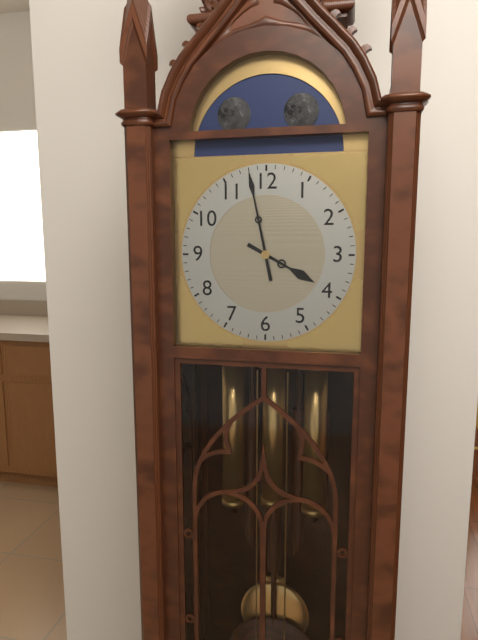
3:58
